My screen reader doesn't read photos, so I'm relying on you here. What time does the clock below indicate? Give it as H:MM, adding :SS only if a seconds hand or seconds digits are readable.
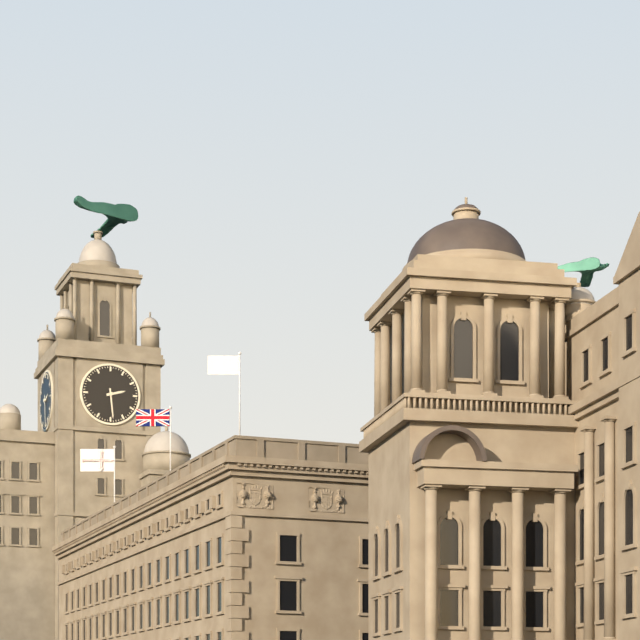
2:29
